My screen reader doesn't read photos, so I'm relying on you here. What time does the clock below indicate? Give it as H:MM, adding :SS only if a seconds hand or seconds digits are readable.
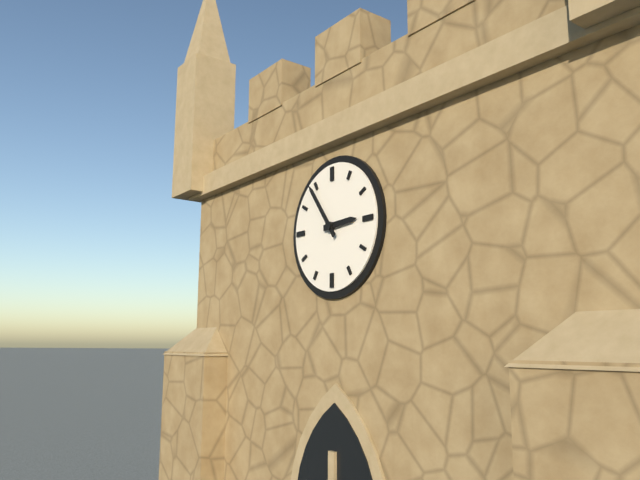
2:54
